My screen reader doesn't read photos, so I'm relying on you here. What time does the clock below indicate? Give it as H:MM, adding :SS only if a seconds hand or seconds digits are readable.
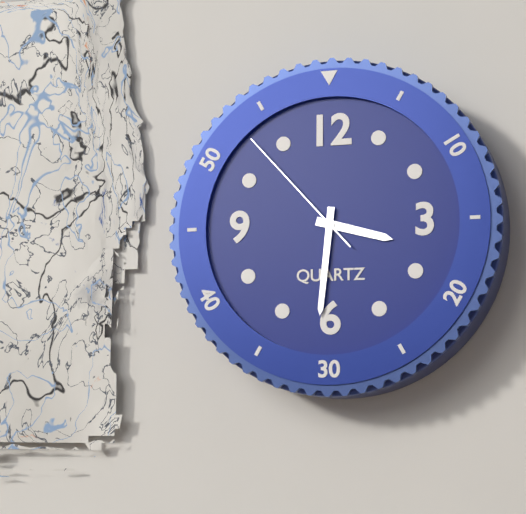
3:31:53
